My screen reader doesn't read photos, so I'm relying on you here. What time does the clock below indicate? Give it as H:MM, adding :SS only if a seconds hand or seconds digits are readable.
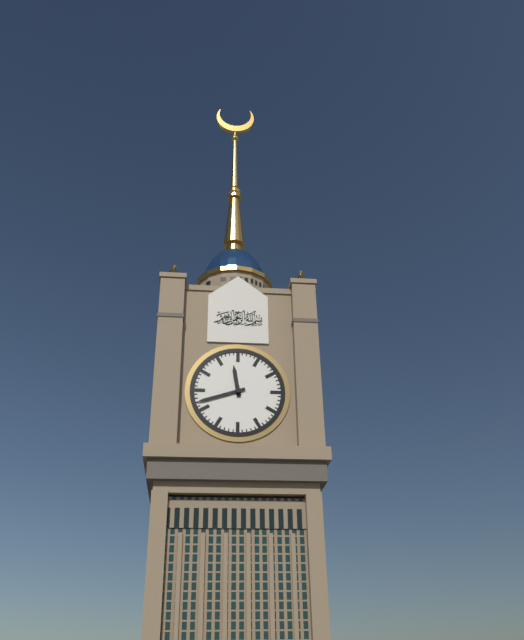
11:42
